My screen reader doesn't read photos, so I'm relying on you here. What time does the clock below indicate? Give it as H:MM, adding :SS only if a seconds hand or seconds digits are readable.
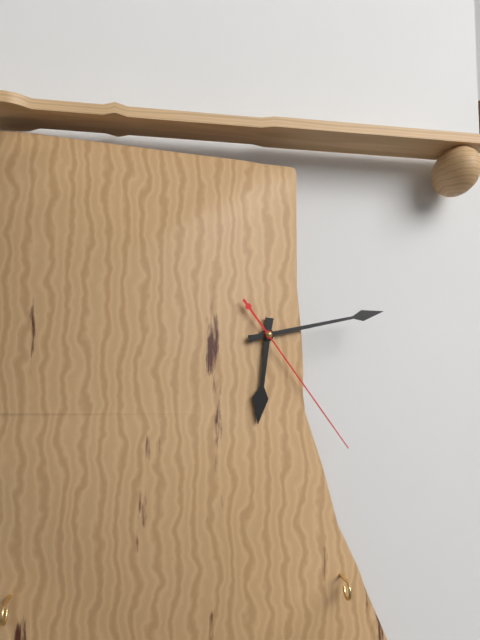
6:13:24
